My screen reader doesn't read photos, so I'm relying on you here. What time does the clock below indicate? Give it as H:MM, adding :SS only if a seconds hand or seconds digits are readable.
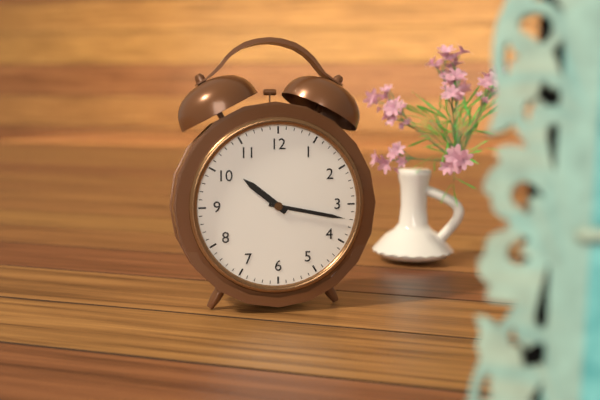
10:17
